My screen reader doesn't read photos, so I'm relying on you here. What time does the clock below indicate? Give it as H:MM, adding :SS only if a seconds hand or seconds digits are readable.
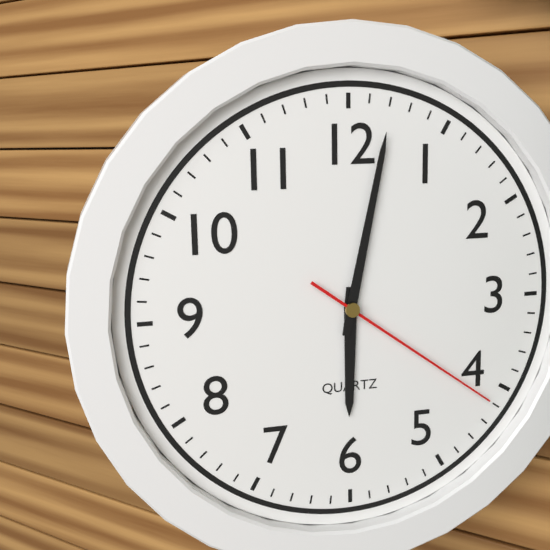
6:02:21
